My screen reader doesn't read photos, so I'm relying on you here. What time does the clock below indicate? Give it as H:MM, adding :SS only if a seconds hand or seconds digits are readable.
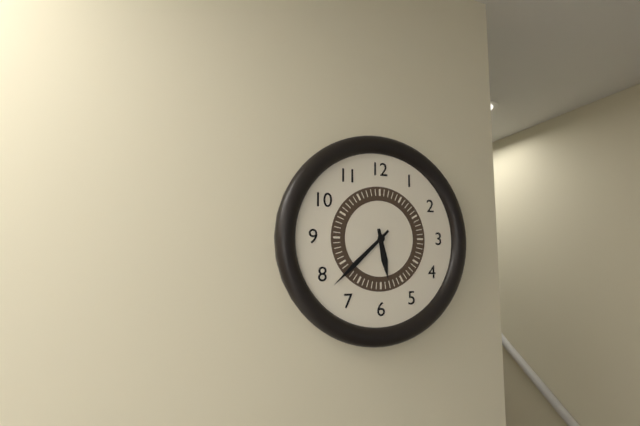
5:38
